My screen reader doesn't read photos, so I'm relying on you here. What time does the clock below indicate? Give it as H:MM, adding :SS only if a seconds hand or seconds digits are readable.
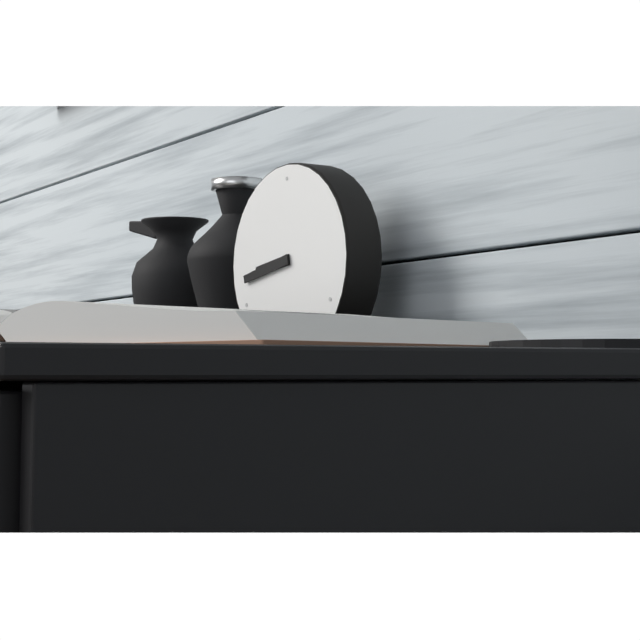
8:43
